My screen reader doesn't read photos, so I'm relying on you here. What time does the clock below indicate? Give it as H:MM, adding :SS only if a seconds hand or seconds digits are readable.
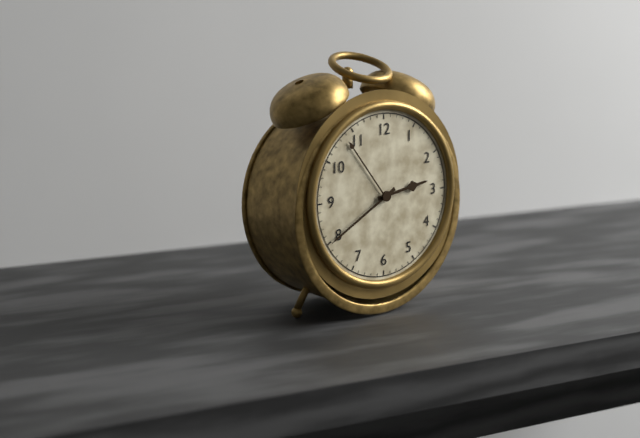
2:40
